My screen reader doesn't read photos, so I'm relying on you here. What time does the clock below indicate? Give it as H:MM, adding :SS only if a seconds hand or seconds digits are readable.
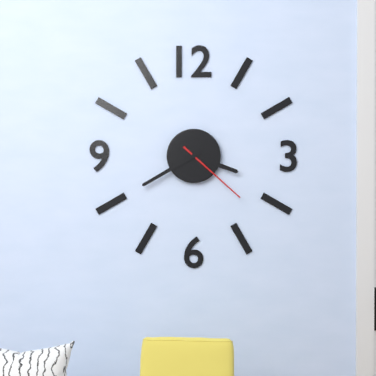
3:40:22
